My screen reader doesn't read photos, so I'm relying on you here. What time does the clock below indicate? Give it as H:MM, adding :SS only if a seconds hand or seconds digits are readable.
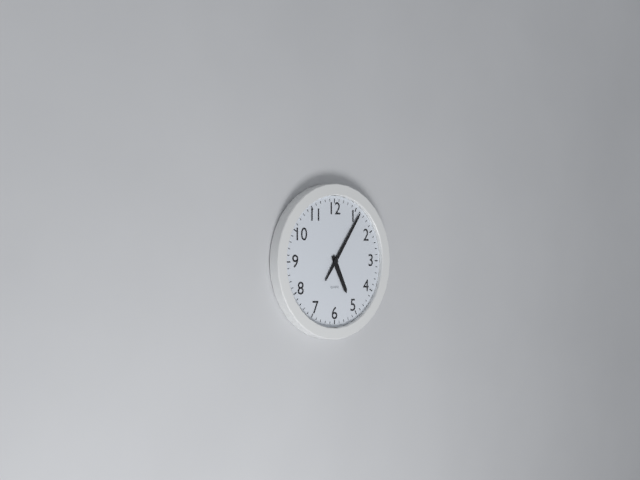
5:06
